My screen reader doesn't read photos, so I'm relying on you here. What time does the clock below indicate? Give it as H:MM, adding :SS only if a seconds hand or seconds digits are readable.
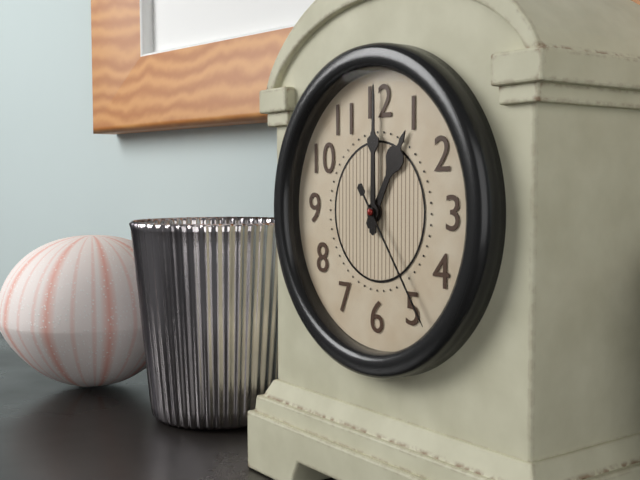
1:00:24
